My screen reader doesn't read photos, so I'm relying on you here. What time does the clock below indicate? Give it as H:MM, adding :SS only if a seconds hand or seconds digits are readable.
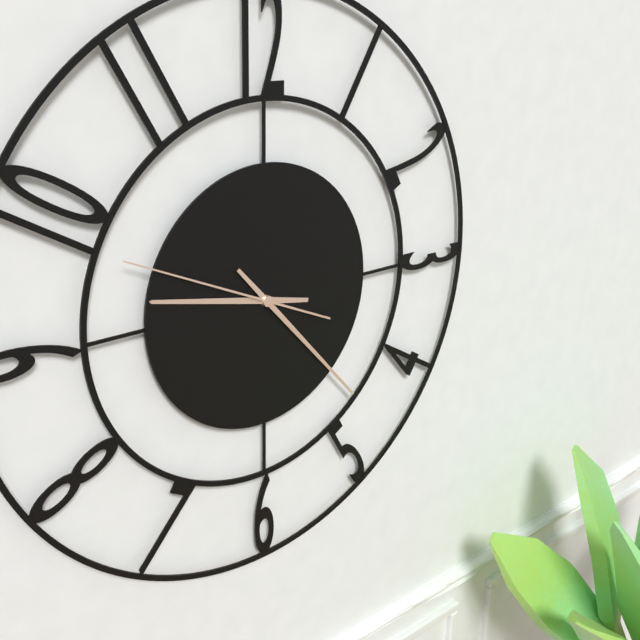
9:23:49
